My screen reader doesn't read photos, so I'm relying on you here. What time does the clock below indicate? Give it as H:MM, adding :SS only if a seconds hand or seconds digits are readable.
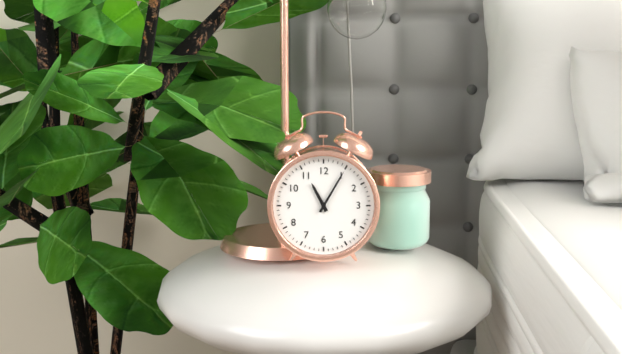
11:05
